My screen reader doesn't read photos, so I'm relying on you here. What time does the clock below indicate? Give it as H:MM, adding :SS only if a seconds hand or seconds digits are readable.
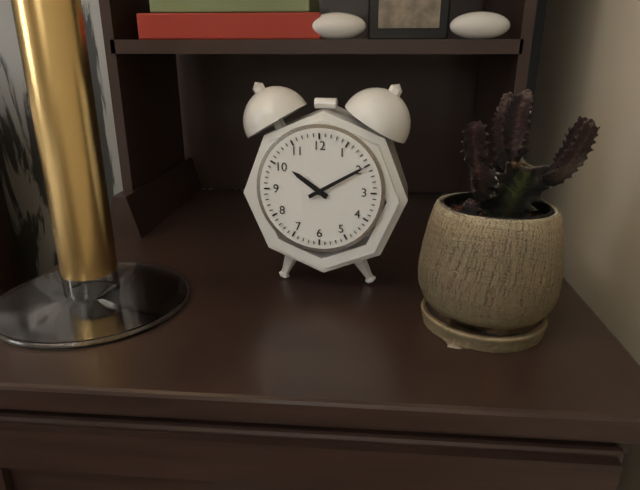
10:10
